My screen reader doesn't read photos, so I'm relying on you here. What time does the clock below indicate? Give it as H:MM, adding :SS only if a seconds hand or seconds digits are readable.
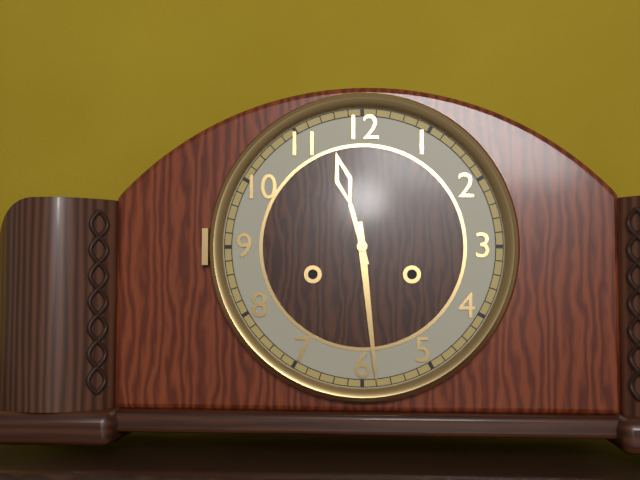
11:29
